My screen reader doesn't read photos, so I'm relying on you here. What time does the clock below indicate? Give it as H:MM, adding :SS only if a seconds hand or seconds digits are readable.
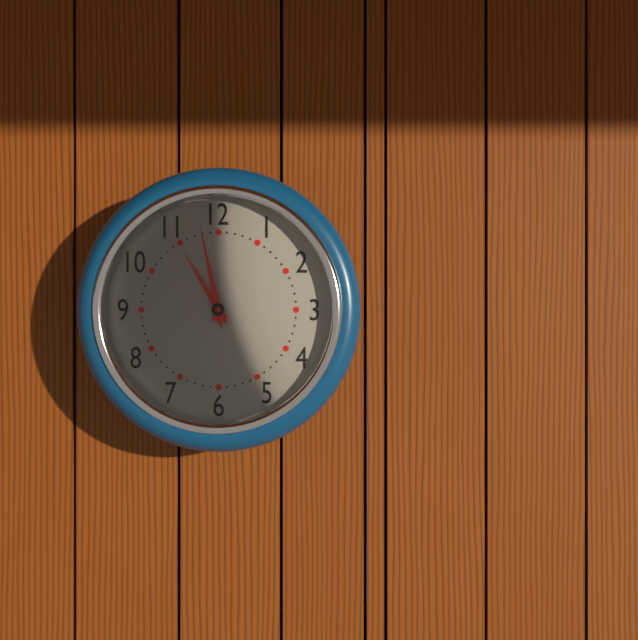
10:58
